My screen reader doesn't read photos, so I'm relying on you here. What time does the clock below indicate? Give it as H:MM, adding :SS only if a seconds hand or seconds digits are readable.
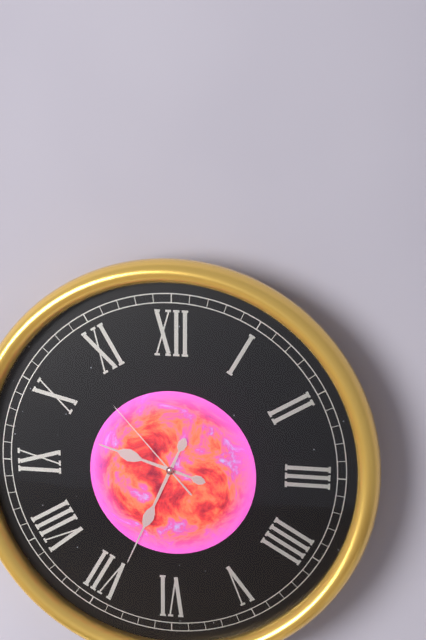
9:34:53
